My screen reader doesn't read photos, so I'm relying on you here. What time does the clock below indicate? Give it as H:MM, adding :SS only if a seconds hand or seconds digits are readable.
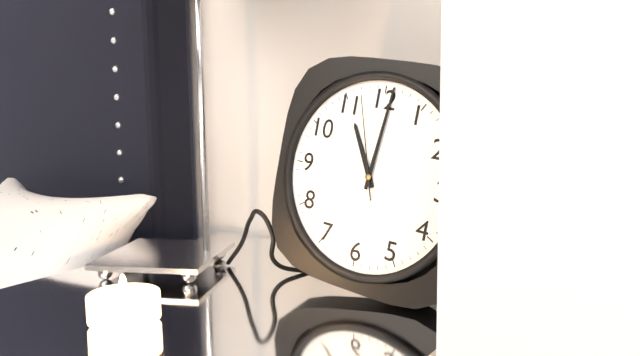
11:01:57
